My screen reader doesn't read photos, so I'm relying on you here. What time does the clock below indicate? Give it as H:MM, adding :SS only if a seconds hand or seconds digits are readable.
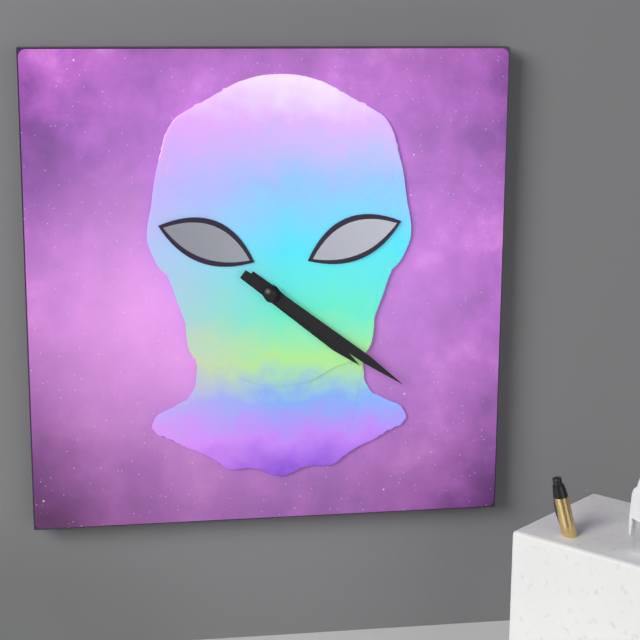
4:21
